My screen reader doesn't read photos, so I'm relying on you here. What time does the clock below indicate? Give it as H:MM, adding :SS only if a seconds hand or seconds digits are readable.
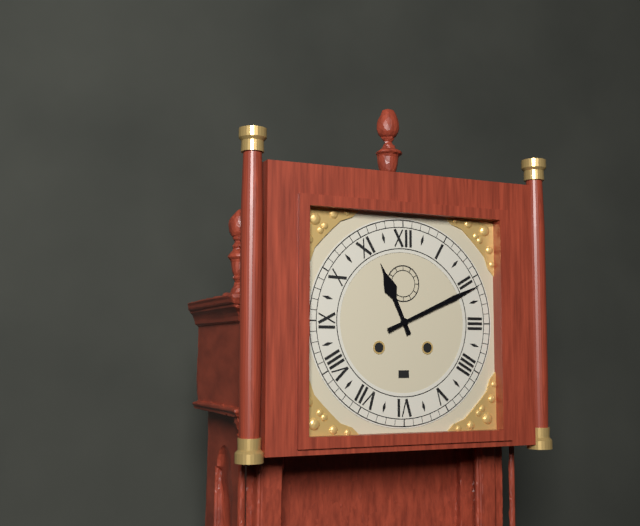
11:11
